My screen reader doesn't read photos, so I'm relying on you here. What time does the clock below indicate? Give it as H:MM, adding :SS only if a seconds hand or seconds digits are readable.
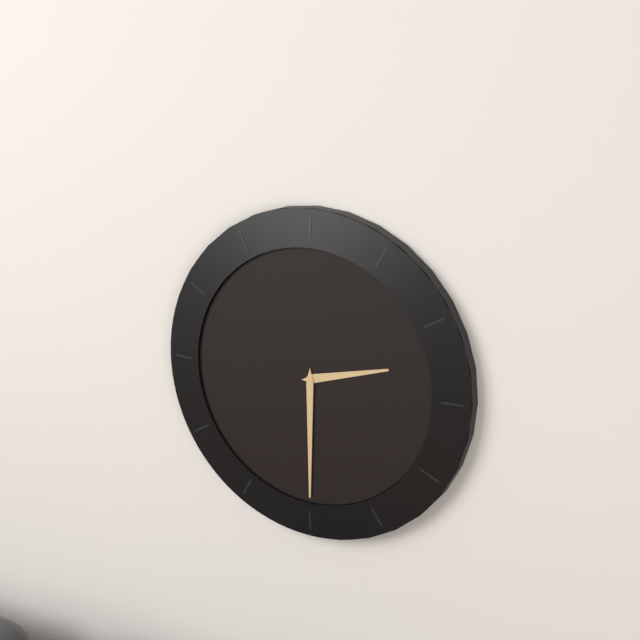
2:30
